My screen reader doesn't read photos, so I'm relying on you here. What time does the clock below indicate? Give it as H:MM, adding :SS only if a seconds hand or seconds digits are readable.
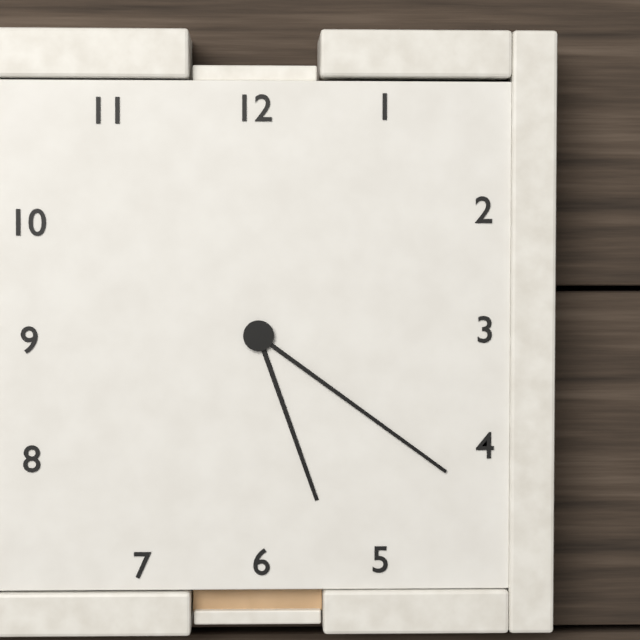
5:21
